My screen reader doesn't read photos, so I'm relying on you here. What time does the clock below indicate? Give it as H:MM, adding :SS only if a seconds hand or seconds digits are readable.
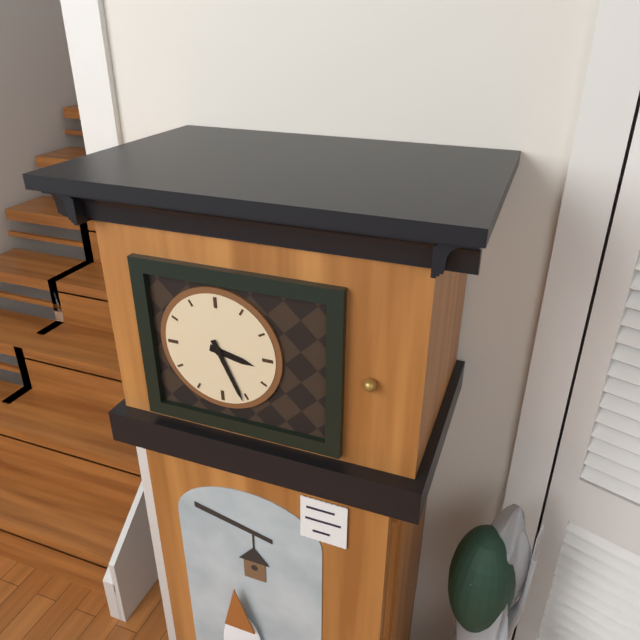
3:26
